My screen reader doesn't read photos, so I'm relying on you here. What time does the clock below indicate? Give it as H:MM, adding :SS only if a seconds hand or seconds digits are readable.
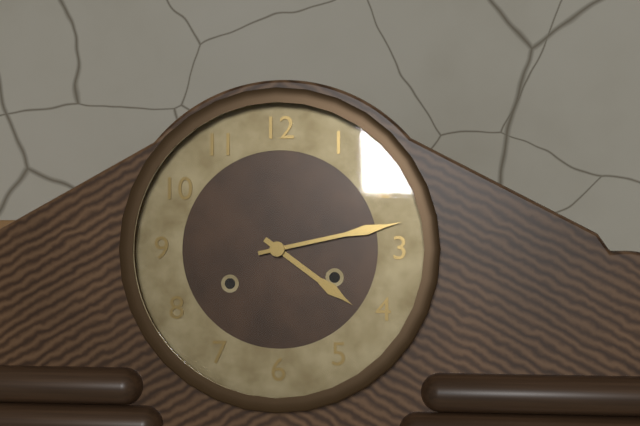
4:13
